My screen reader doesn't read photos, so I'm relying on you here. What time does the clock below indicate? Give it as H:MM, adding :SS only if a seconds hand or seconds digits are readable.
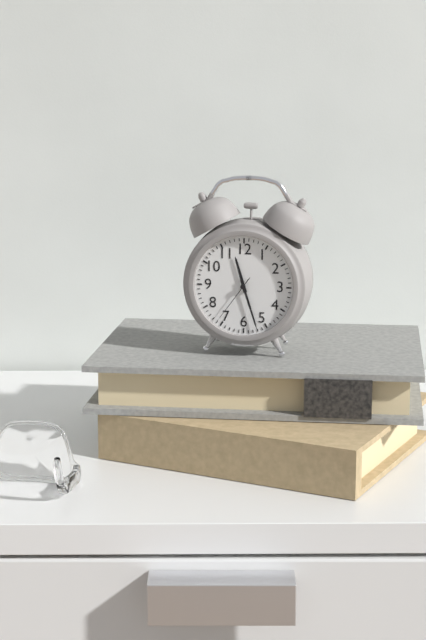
11:27:36
